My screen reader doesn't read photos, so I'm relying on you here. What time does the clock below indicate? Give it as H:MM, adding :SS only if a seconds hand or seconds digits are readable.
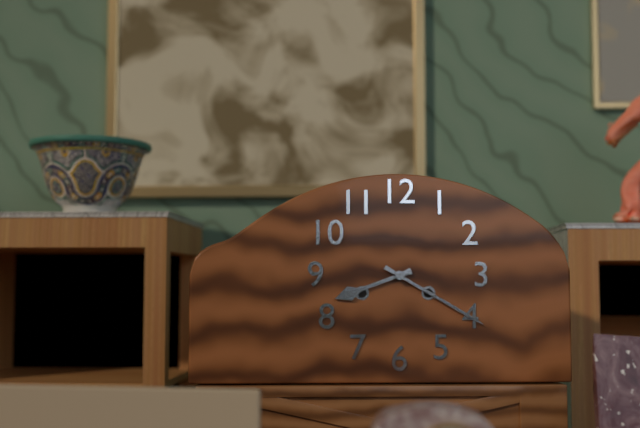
8:20
